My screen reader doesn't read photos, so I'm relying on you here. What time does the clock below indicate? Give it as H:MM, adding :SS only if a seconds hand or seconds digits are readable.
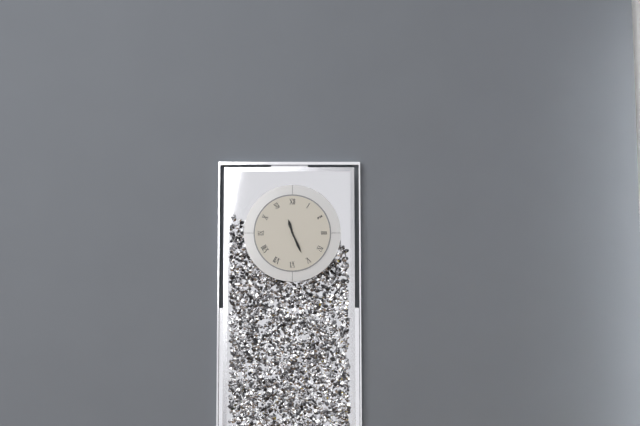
11:26
